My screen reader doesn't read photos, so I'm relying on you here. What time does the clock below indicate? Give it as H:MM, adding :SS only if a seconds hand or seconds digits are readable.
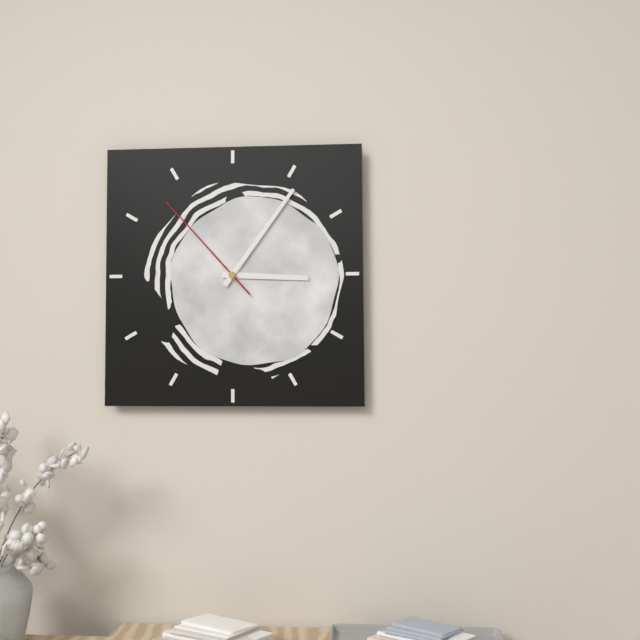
3:06:53
